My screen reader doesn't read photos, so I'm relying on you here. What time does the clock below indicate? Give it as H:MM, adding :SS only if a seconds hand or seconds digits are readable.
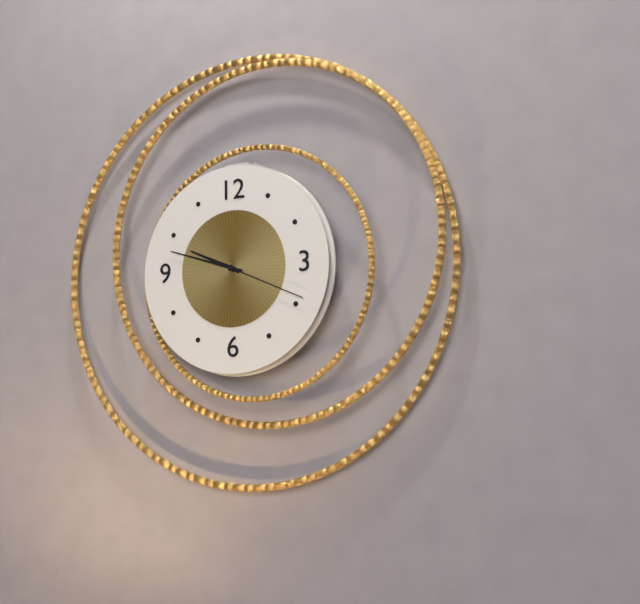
9:48:19
